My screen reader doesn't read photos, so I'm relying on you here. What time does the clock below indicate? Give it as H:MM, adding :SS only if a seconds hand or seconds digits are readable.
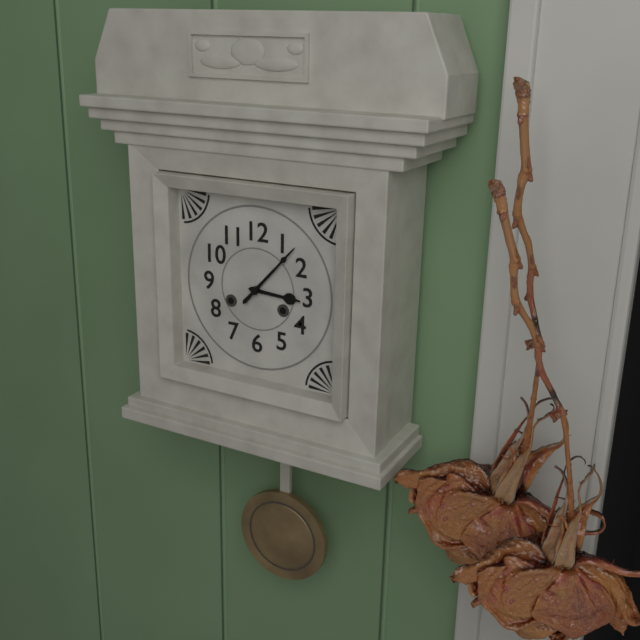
3:07
